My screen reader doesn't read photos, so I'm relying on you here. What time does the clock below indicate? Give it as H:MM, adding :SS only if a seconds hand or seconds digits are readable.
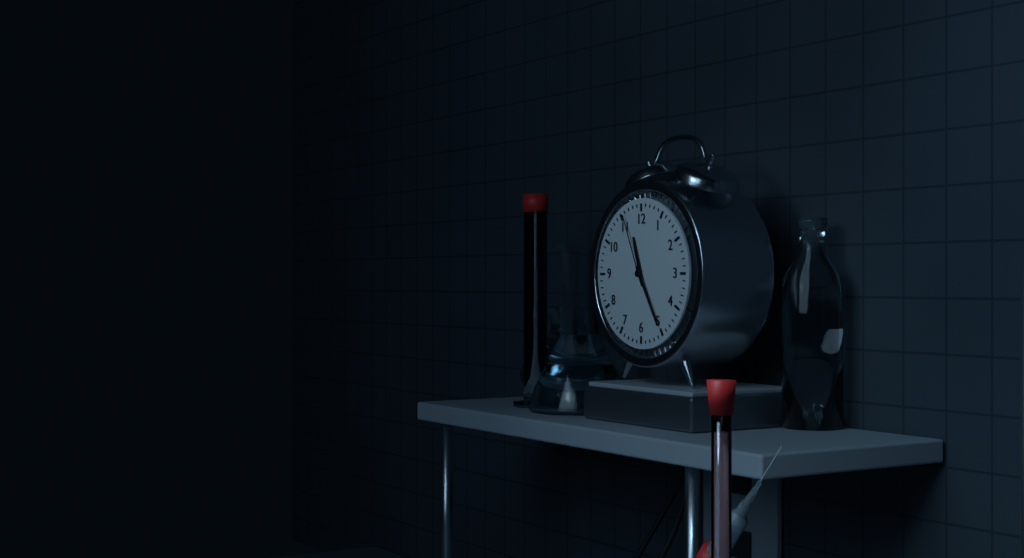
11:25:56
